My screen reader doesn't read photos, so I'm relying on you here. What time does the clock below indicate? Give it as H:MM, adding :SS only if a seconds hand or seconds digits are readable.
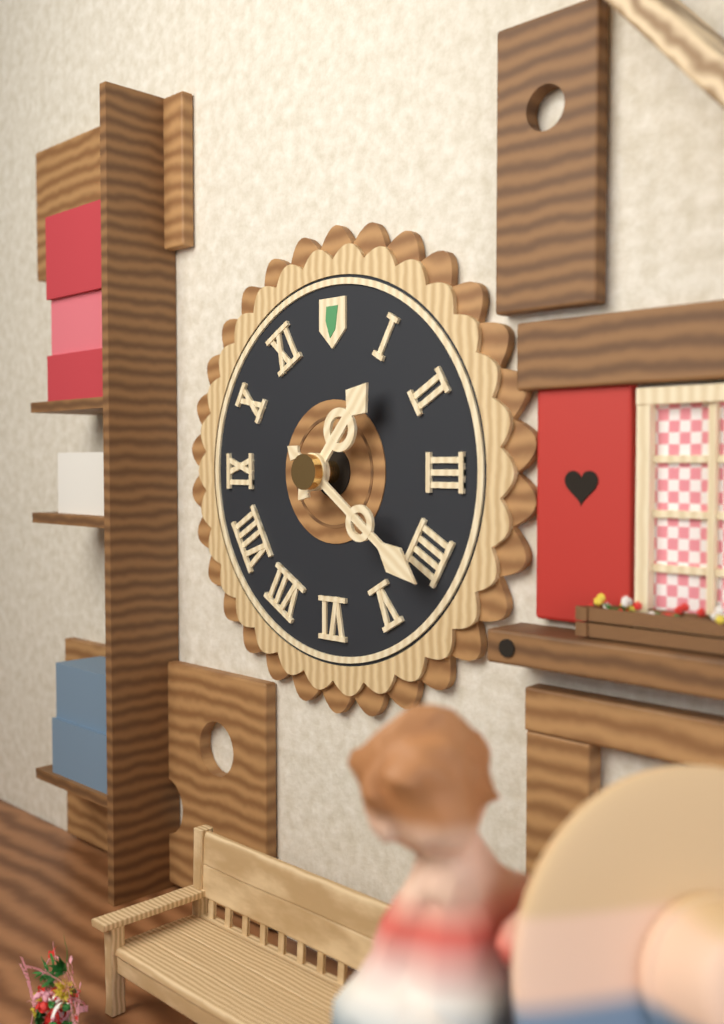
1:21
